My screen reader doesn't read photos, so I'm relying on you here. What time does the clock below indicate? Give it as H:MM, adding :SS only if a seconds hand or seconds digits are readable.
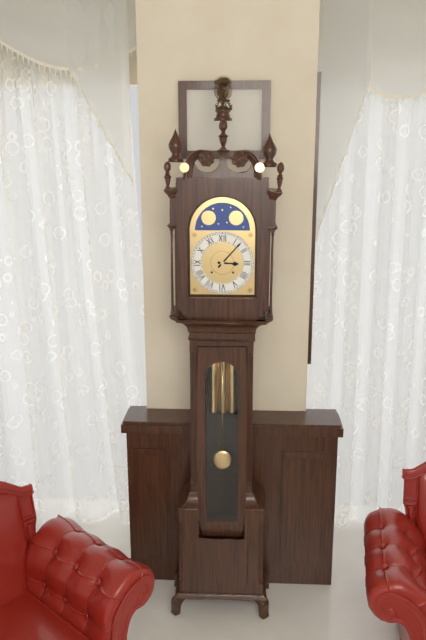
3:07
